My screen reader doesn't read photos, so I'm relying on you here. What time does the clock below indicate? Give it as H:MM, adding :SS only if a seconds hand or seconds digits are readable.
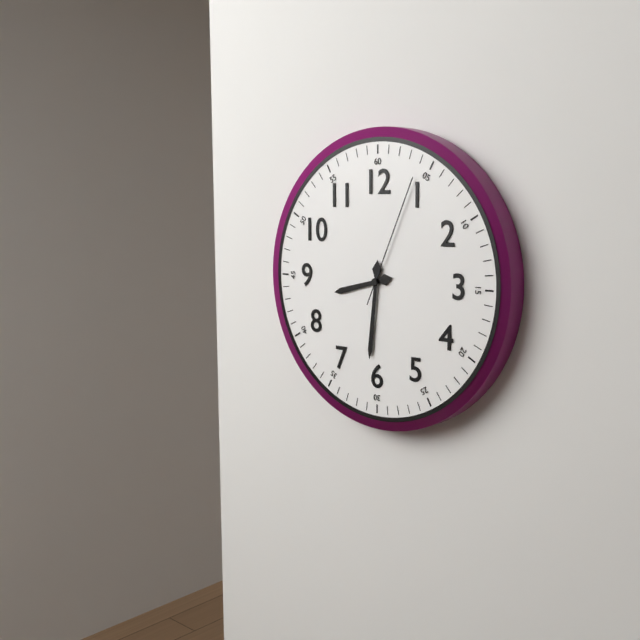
8:31:04
